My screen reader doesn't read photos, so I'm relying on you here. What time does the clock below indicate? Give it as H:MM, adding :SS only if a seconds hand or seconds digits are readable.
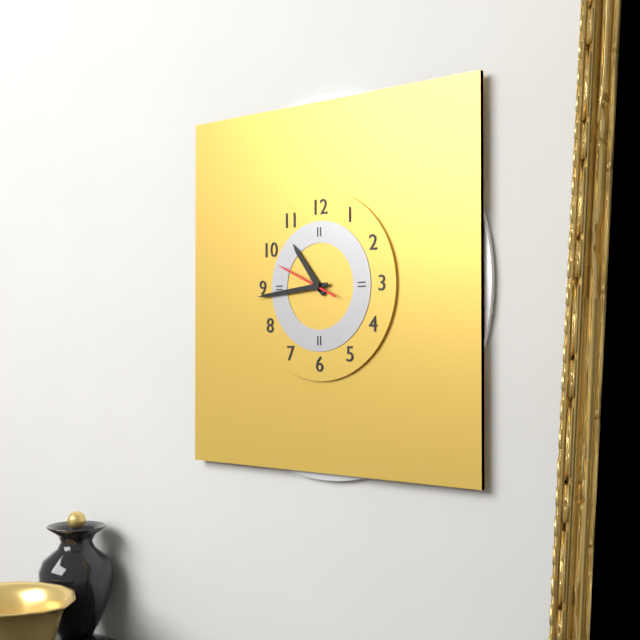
10:44:49
